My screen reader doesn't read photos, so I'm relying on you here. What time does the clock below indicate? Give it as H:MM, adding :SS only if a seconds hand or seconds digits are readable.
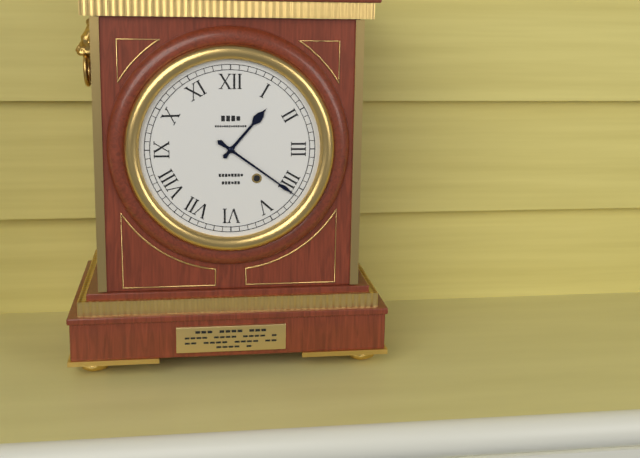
1:21
